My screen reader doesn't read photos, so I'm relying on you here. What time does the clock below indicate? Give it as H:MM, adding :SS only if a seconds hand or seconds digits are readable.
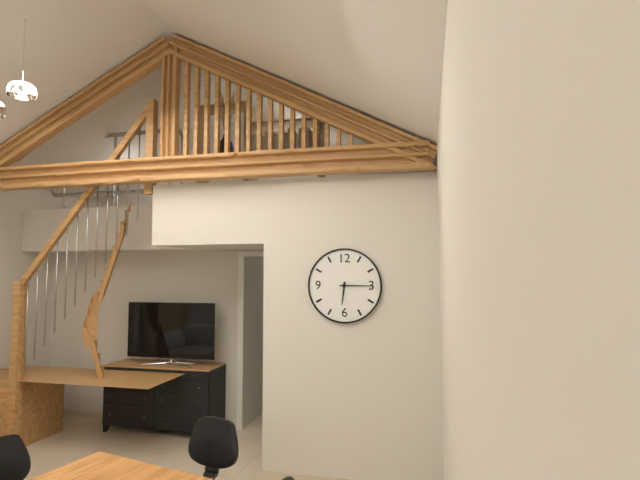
6:15
